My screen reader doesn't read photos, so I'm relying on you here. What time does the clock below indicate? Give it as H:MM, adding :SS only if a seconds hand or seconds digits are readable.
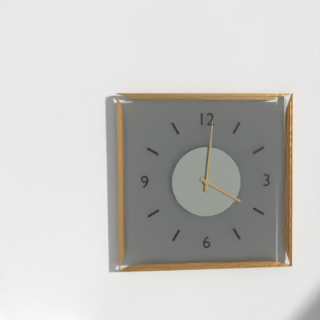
4:01
